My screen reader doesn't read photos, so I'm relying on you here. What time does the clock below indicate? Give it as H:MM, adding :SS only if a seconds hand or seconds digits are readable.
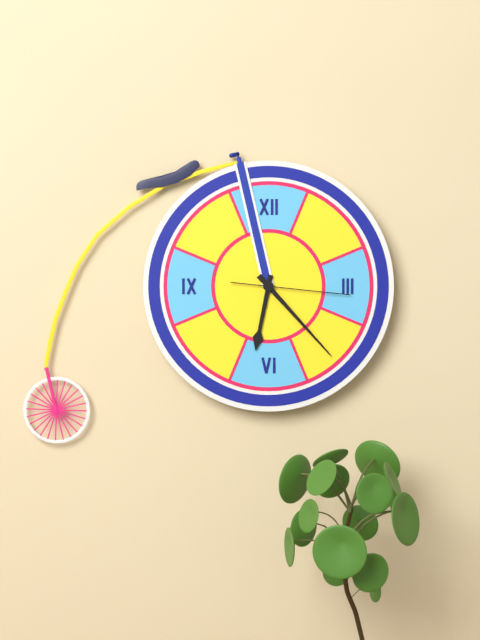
6:23:16
